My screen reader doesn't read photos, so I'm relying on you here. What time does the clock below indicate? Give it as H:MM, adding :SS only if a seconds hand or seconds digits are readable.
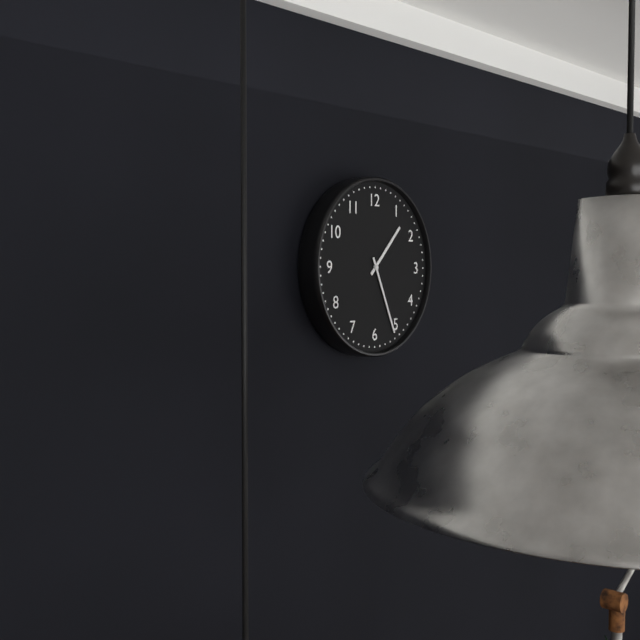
1:26
